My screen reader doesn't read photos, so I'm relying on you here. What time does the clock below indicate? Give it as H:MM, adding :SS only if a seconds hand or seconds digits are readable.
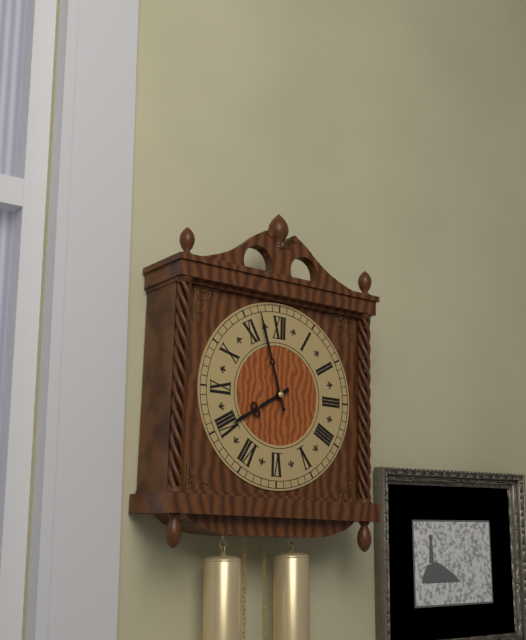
7:57
